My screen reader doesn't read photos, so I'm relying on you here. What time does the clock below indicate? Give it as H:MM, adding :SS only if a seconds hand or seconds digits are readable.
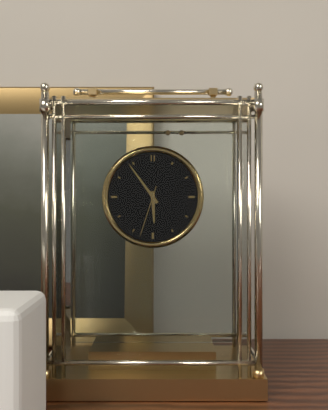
5:54:33
